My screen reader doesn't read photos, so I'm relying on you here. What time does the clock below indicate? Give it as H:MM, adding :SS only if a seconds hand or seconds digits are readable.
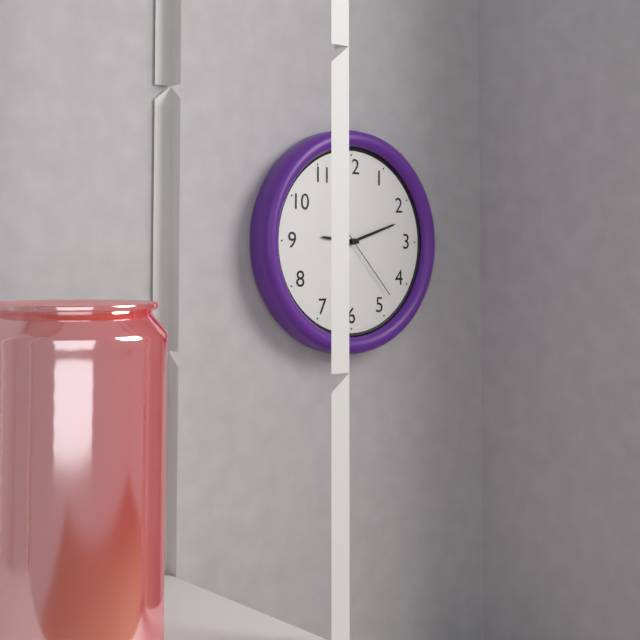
9:12:23
